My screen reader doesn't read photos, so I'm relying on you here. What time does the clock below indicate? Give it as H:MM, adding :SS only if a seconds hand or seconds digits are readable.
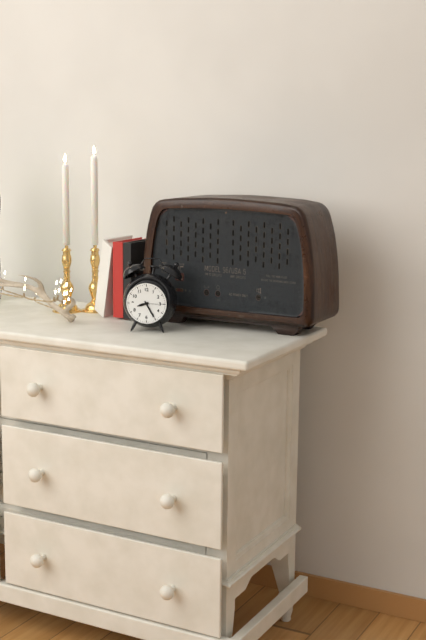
8:25
